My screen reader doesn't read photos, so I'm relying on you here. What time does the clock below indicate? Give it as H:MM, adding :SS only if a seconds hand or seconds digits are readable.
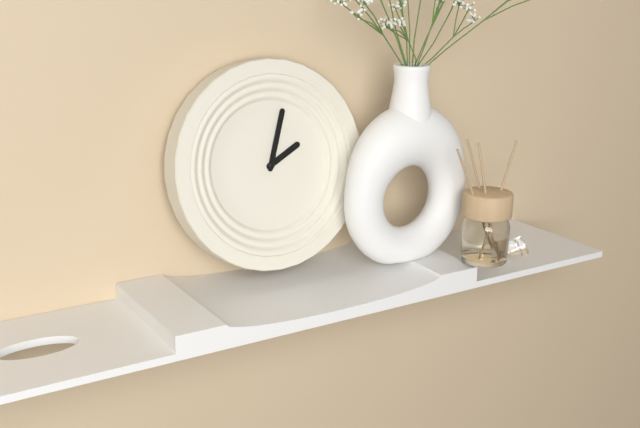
2:03
